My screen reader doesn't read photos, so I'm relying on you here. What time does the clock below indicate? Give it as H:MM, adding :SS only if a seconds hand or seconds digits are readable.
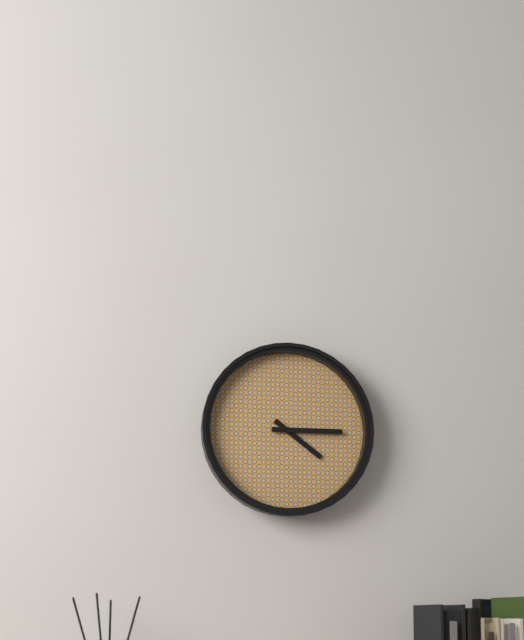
4:15
